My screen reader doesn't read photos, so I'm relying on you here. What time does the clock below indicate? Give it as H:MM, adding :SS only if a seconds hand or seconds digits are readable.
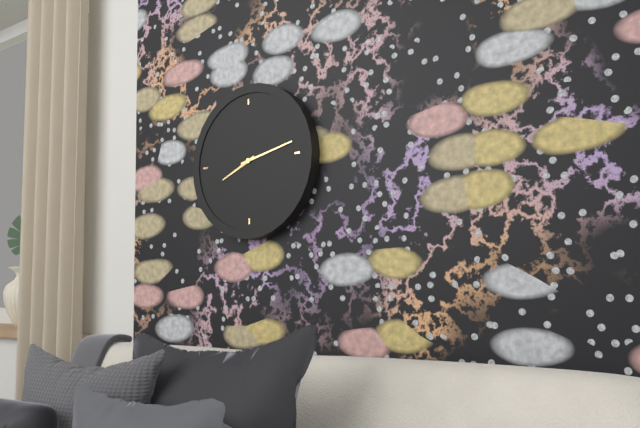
8:13
